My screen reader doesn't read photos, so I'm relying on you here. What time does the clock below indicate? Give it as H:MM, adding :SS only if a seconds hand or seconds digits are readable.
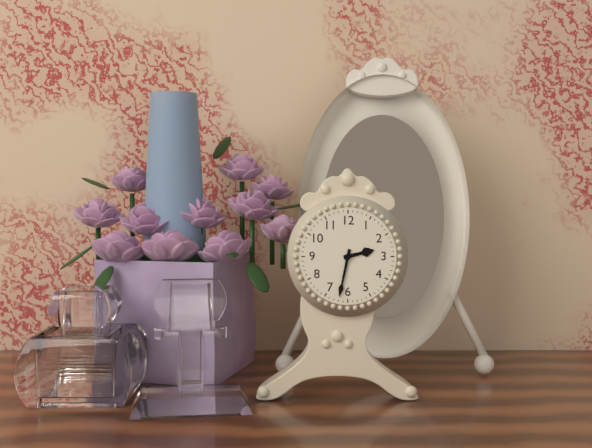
2:32
